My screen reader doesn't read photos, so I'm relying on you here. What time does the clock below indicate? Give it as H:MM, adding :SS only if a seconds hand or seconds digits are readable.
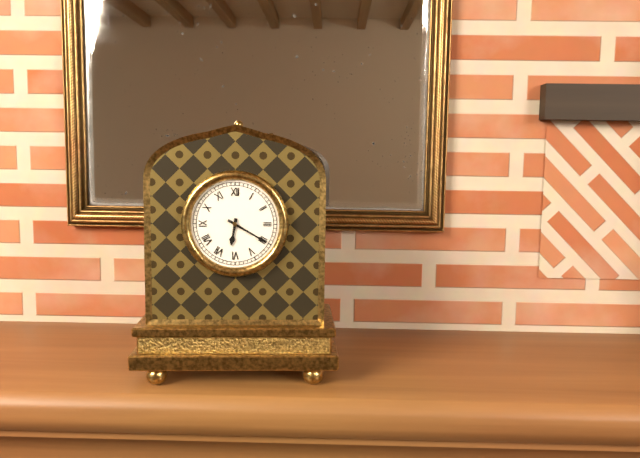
6:20
